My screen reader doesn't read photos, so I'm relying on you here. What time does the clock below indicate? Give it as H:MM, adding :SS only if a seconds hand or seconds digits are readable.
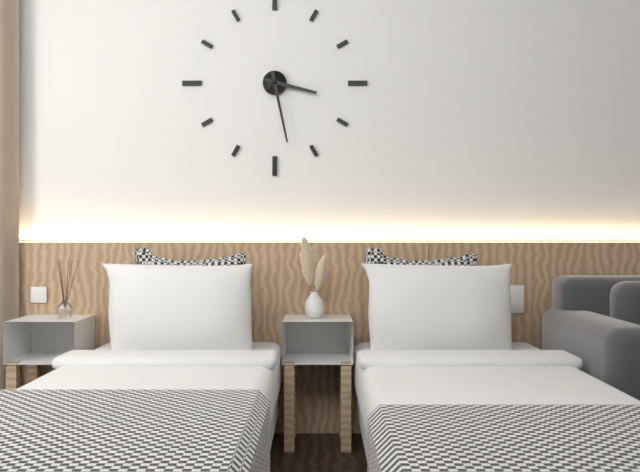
3:28
